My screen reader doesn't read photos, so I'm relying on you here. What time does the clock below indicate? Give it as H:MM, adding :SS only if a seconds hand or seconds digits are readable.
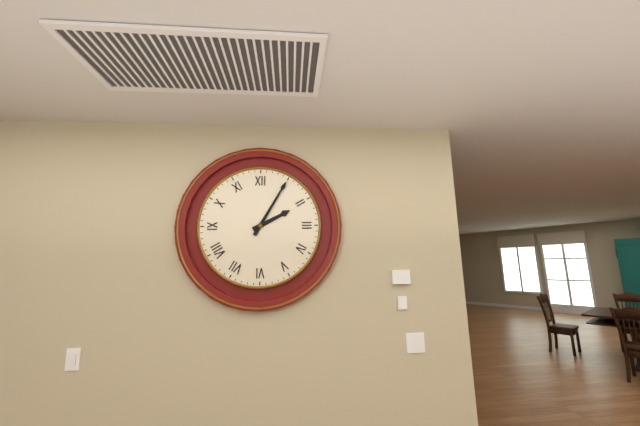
2:05
